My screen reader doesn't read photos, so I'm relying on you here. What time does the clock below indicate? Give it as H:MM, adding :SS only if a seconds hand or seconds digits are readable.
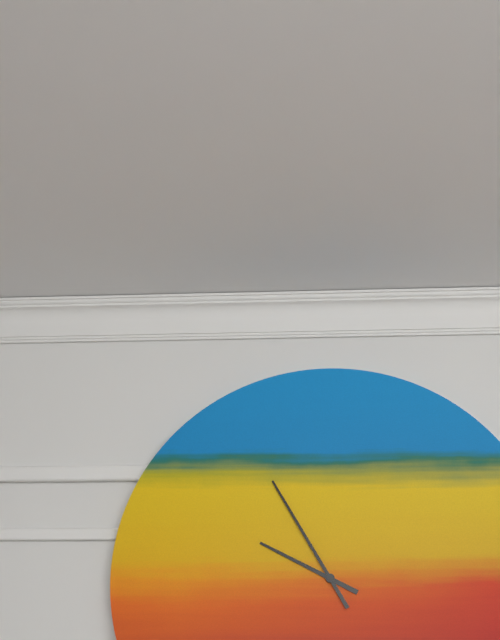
9:55
